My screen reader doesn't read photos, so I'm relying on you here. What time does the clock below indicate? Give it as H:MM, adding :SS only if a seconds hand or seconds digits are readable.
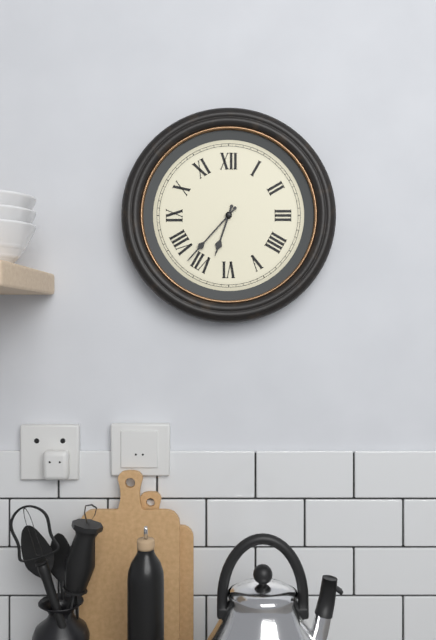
6:37
